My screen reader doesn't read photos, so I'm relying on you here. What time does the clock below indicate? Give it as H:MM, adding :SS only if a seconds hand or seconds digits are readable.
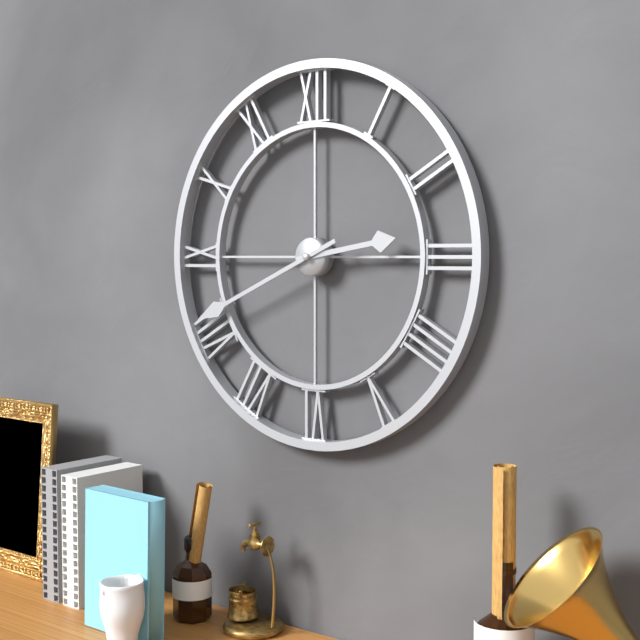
2:41
